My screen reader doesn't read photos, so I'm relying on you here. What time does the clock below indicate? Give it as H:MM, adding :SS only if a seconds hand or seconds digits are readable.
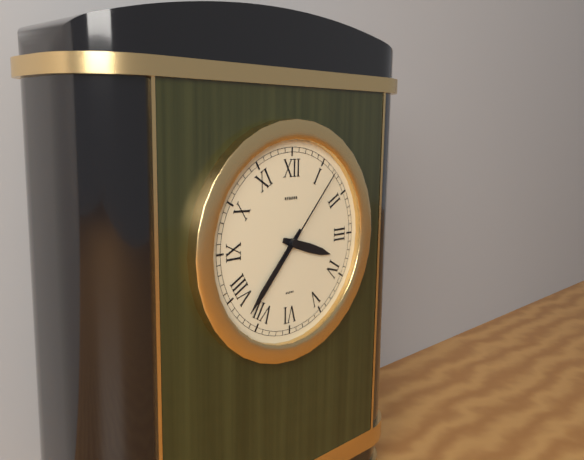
3:37:07
